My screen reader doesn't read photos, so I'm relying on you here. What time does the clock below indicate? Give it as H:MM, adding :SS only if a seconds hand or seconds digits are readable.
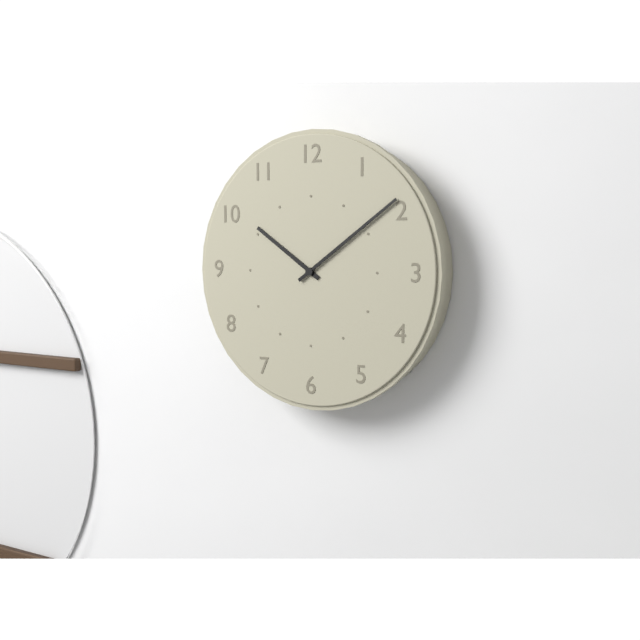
10:09
